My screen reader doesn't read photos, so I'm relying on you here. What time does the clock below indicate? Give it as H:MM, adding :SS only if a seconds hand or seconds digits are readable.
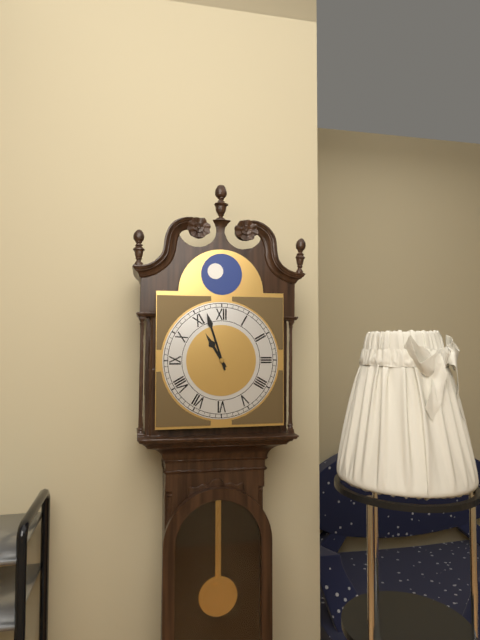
10:57
